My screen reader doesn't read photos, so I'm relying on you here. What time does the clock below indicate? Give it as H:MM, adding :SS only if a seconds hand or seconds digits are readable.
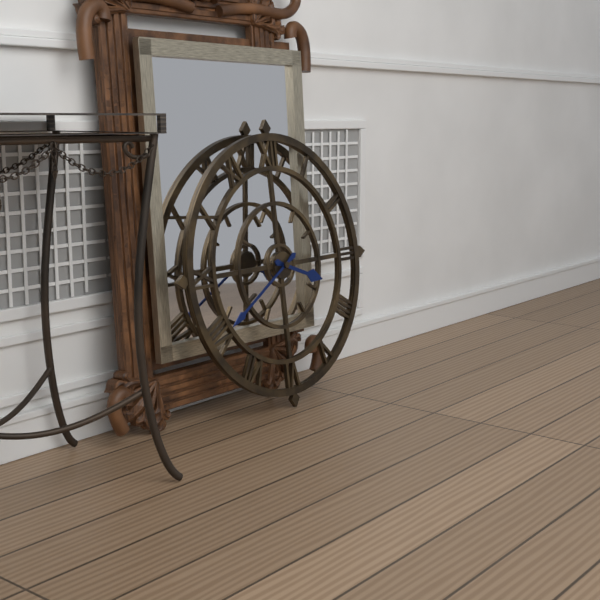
3:40
